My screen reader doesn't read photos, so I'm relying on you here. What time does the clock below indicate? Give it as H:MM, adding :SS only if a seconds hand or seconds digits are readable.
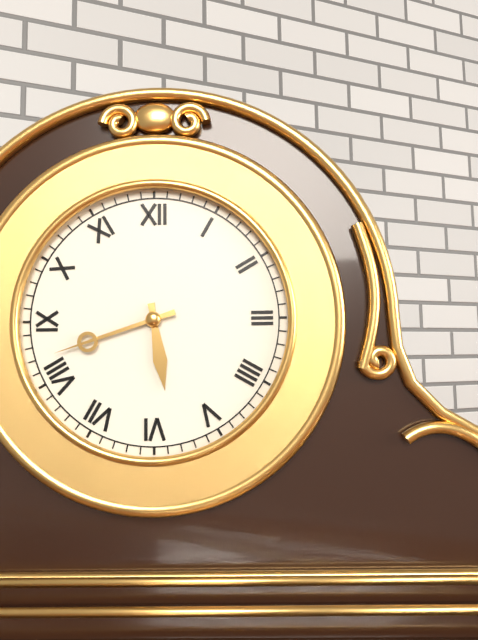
5:42
